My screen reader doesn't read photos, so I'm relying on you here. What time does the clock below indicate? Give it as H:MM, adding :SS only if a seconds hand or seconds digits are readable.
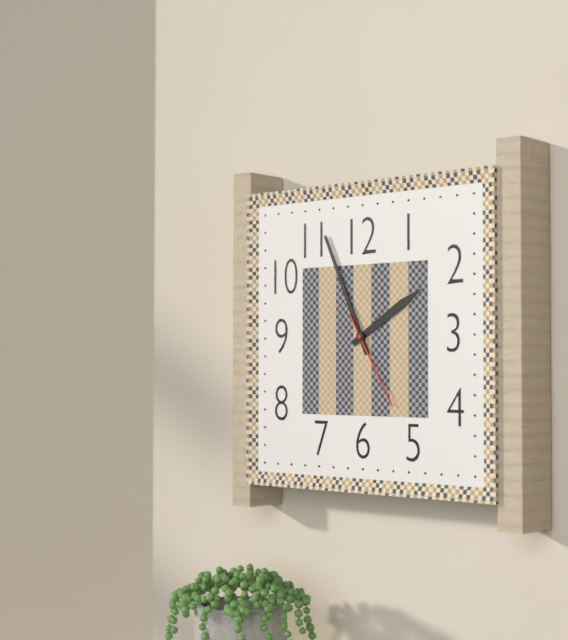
1:56:25
